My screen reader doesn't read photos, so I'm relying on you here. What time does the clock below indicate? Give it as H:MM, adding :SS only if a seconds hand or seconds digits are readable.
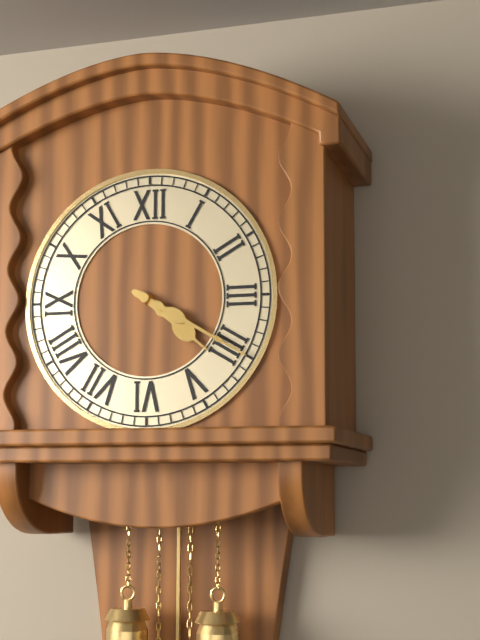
4:20
